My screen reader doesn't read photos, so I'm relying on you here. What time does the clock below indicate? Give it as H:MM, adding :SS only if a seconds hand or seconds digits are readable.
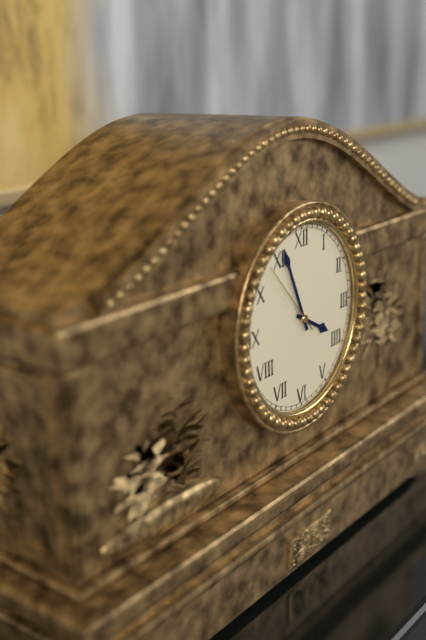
3:56:53
